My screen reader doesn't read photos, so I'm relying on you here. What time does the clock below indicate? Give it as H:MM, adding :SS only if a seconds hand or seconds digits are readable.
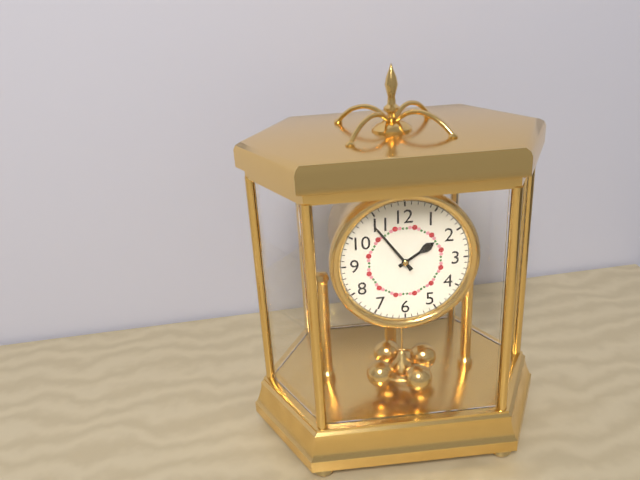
1:54
